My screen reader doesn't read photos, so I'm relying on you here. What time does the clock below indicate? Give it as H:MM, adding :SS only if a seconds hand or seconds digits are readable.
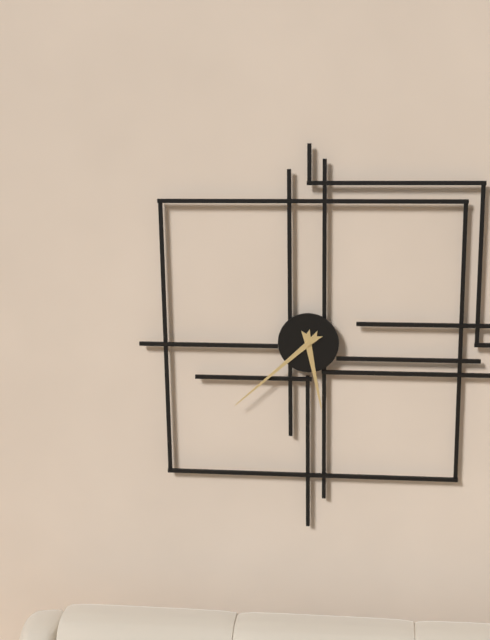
5:38
